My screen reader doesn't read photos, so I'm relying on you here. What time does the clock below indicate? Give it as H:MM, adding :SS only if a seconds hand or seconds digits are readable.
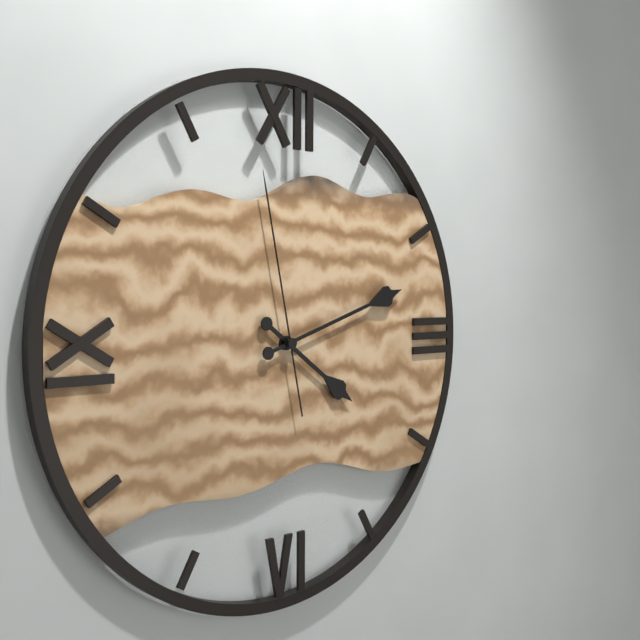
4:12:58
